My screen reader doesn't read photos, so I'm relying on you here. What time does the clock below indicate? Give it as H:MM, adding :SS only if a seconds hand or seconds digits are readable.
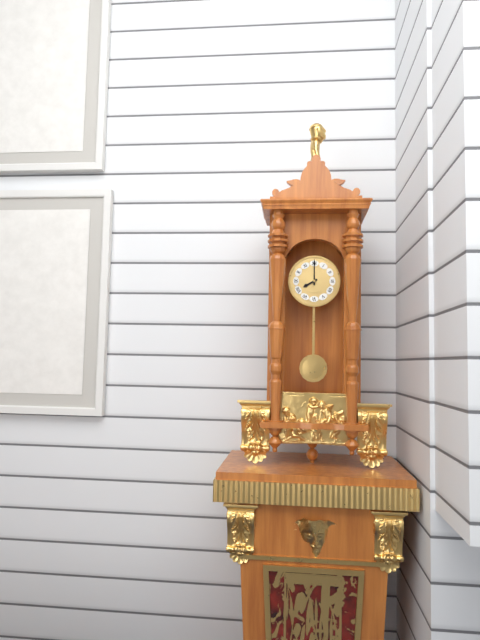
8:00
